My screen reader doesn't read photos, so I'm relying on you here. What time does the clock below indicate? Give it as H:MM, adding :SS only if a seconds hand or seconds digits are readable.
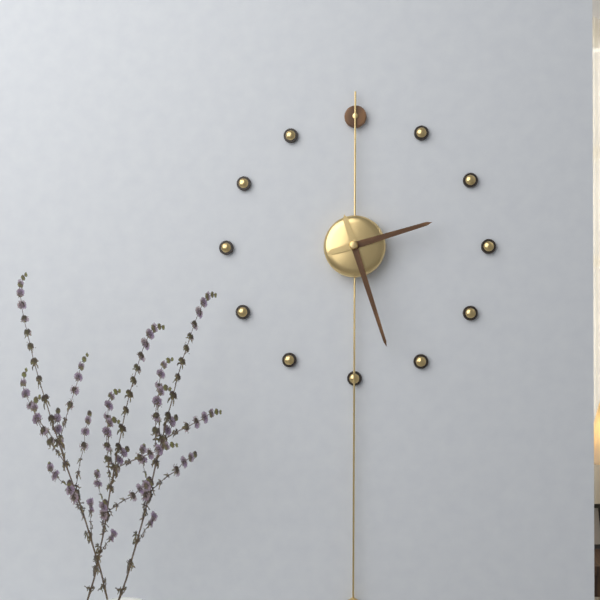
2:27
